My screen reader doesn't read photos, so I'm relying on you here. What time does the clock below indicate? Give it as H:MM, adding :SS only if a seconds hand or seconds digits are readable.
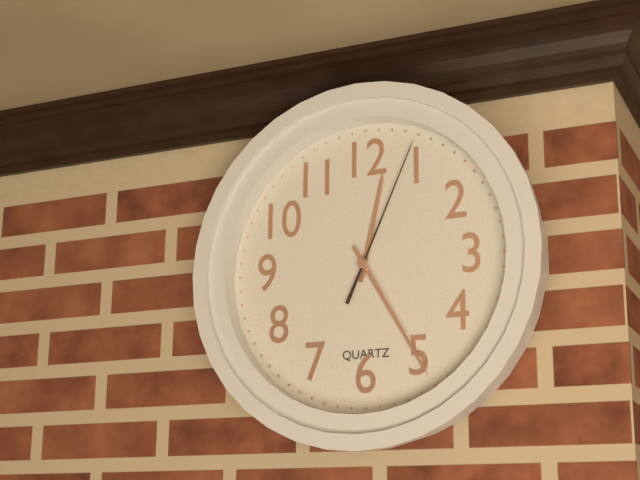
12:25:04
